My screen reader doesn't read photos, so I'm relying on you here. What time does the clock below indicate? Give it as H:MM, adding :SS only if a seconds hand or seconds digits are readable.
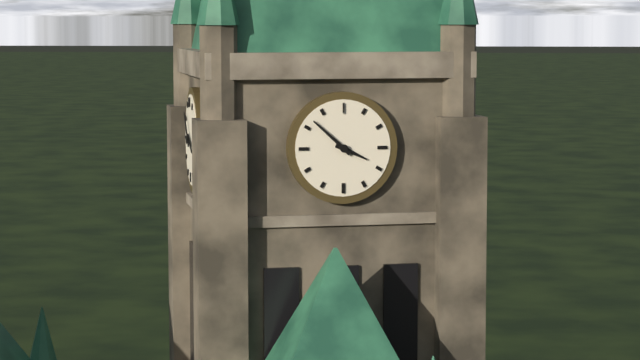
3:52
